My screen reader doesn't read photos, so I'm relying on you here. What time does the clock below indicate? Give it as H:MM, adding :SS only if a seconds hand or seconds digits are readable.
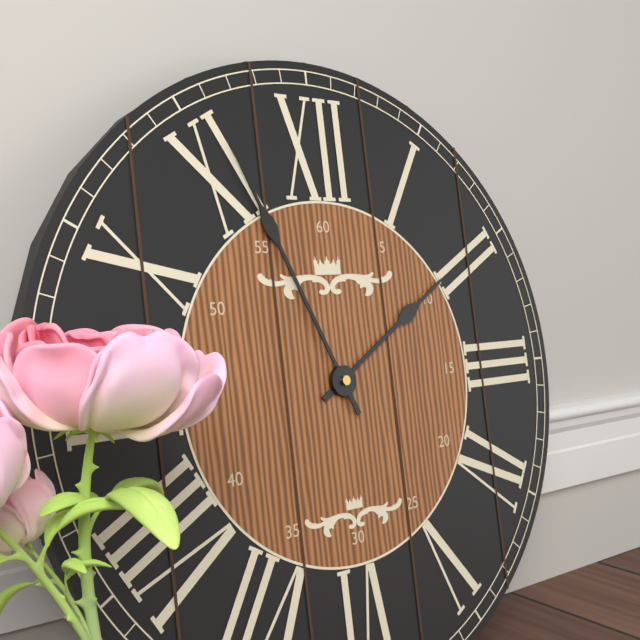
1:56
